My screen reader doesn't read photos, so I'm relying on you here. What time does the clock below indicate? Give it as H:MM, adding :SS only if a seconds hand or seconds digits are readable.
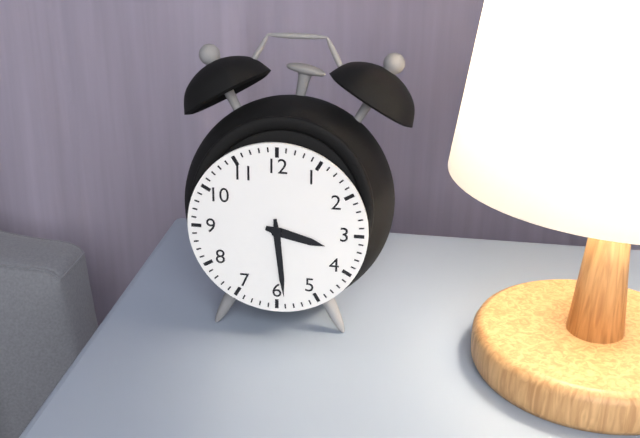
3:29
